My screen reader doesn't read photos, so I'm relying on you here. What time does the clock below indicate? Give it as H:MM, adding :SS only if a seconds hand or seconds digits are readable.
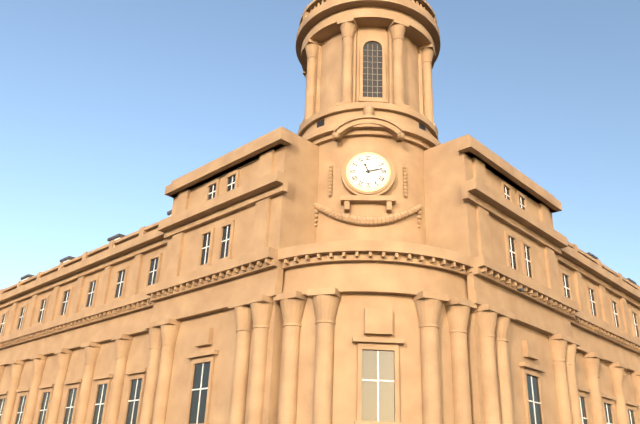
11:13
